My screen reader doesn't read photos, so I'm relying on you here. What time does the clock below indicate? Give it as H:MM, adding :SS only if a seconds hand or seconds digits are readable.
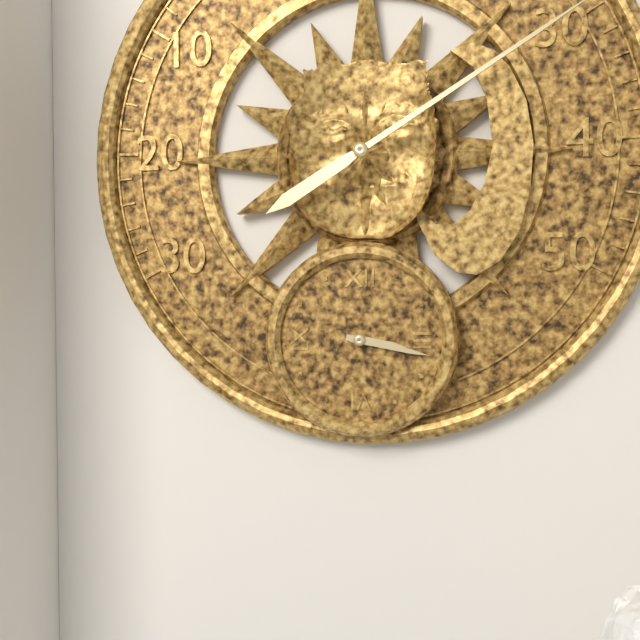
3:17
